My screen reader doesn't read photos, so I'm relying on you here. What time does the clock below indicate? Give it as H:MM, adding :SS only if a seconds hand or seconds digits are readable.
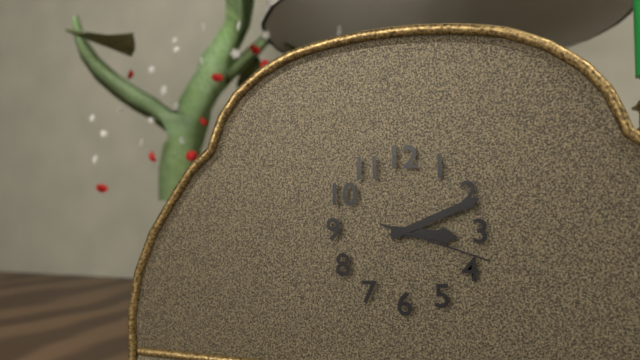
3:11:18
